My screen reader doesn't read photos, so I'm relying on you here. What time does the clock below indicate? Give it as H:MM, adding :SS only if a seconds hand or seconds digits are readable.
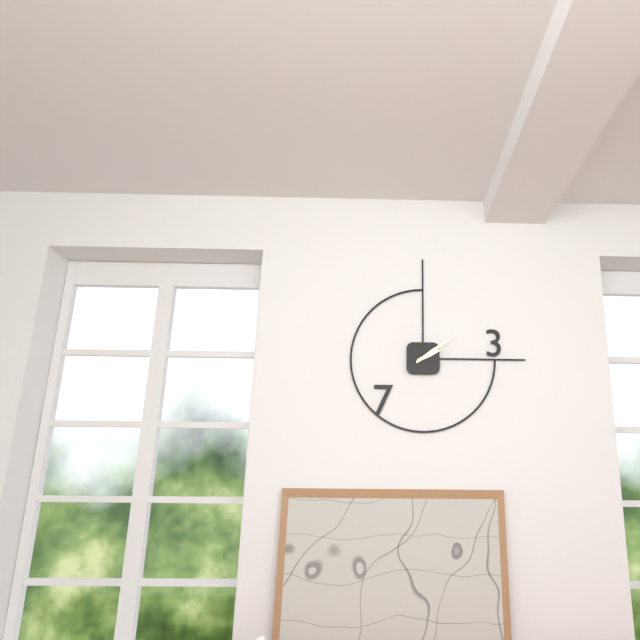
2:09
